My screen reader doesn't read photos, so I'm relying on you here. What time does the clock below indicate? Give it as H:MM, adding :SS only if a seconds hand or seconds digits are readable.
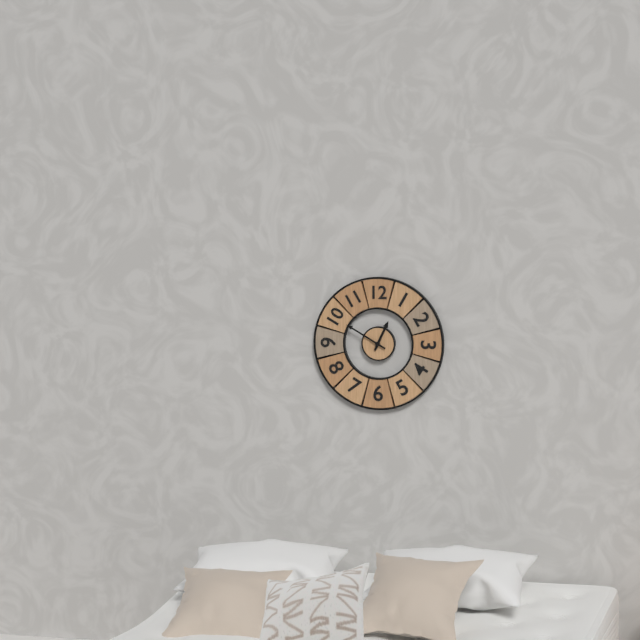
12:50
